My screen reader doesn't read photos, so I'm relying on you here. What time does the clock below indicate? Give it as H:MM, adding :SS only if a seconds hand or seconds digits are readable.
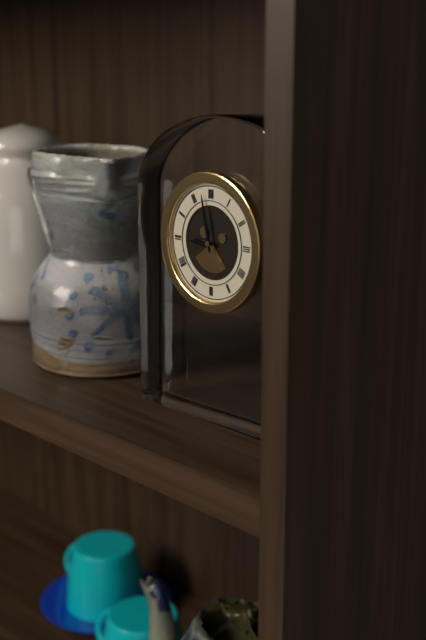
8:58
